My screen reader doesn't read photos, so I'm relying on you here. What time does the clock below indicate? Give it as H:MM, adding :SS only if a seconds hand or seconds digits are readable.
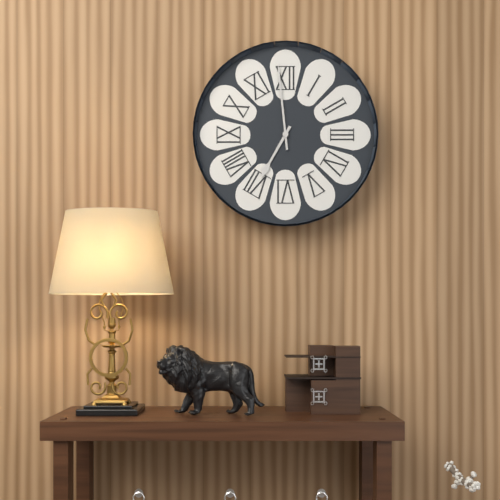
6:59
